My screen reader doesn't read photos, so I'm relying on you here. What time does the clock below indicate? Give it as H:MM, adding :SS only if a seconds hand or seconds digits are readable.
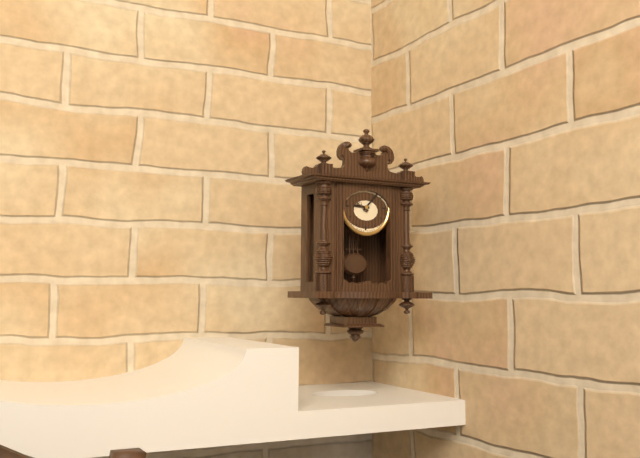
9:07
